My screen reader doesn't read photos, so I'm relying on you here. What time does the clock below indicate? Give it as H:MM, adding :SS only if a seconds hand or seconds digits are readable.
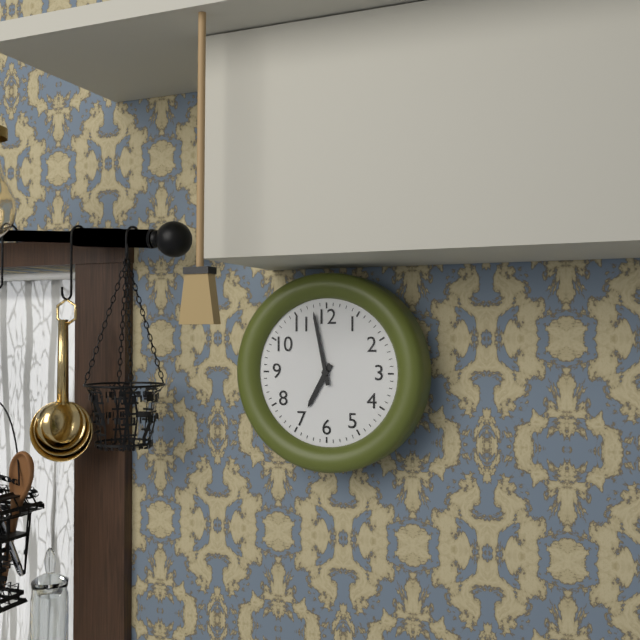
6:58
